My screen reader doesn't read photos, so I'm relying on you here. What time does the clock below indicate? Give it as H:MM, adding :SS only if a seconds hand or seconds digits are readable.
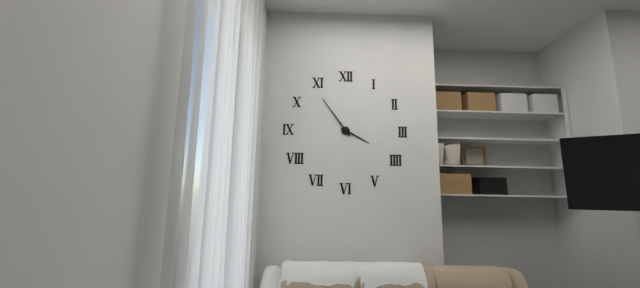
3:54
